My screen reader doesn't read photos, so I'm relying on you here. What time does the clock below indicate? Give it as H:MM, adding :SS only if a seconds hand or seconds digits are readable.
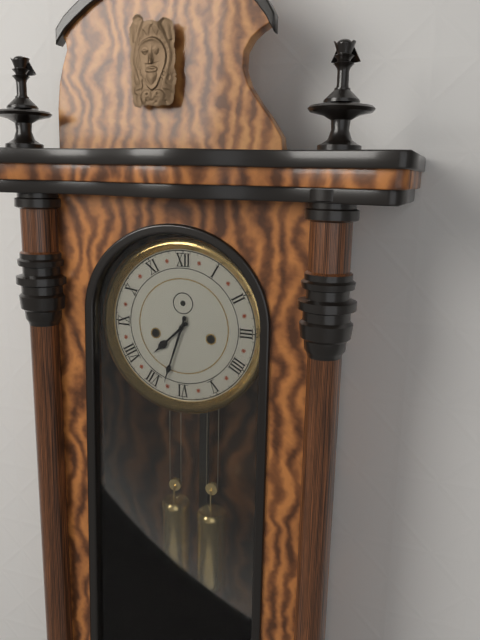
7:33
